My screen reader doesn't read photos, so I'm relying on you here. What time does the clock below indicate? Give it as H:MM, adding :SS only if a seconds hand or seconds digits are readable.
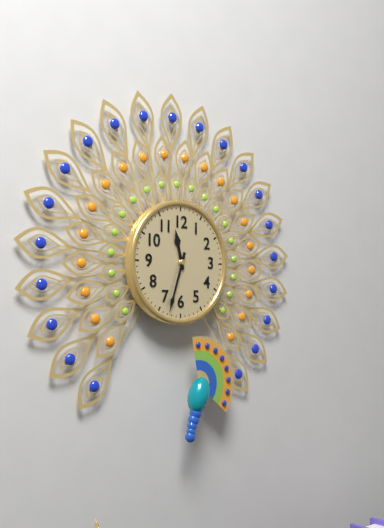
11:33
